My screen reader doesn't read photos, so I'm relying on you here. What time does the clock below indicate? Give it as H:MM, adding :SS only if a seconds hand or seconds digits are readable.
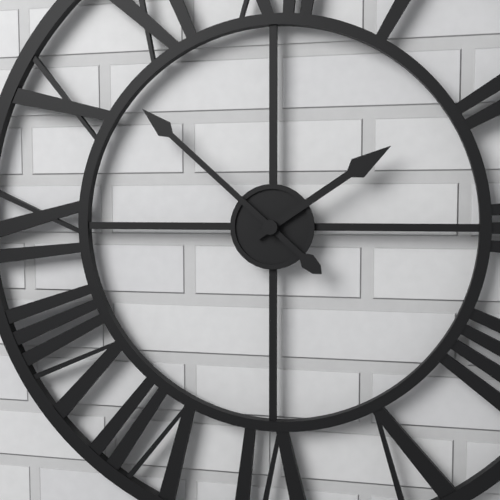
1:52
